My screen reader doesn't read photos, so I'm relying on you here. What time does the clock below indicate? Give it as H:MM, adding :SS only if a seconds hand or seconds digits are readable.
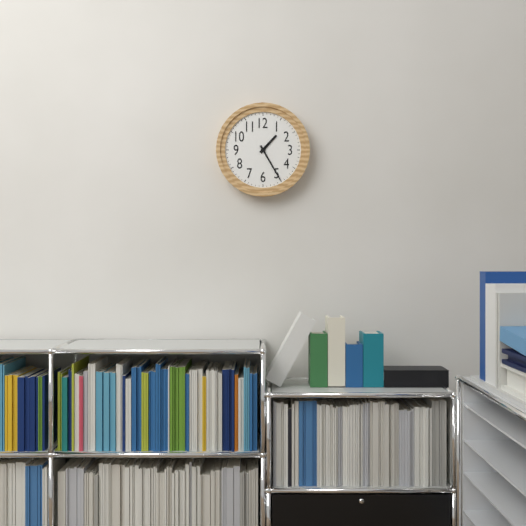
1:25
